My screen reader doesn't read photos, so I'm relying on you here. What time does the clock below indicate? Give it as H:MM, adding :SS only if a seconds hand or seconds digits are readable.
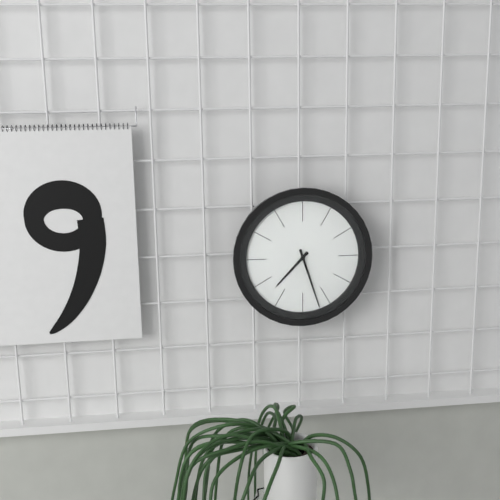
7:27
